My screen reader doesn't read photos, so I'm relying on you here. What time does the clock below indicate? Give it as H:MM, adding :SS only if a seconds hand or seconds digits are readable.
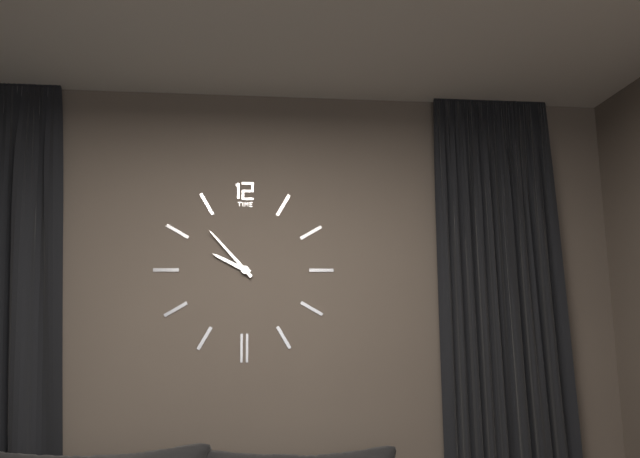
9:53
